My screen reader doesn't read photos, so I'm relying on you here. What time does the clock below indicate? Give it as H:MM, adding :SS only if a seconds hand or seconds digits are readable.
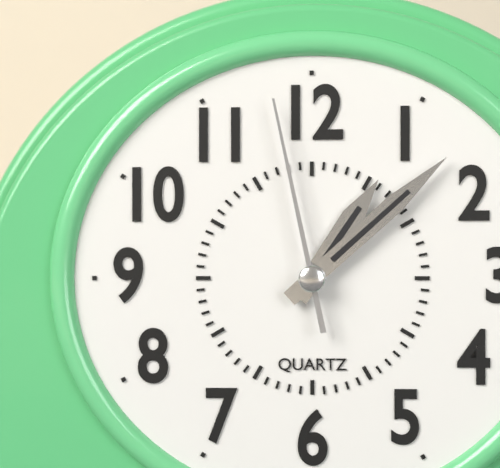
1:08:58
